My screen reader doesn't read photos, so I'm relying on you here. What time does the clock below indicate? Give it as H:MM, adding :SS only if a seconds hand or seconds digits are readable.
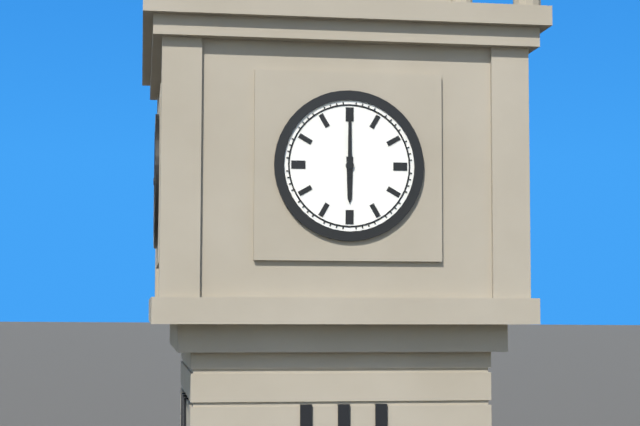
6:00
